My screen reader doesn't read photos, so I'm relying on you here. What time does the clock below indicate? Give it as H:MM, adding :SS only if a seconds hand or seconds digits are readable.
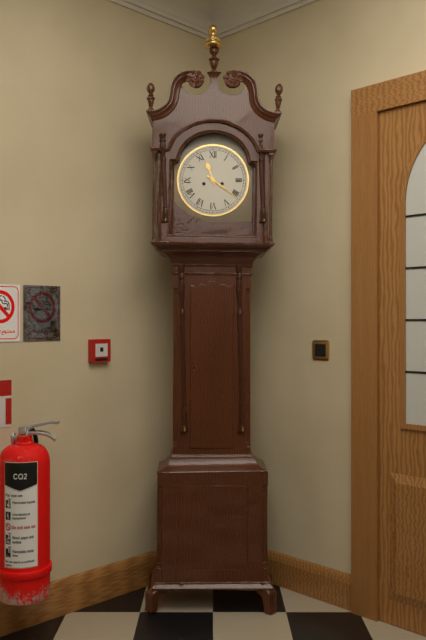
11:21
